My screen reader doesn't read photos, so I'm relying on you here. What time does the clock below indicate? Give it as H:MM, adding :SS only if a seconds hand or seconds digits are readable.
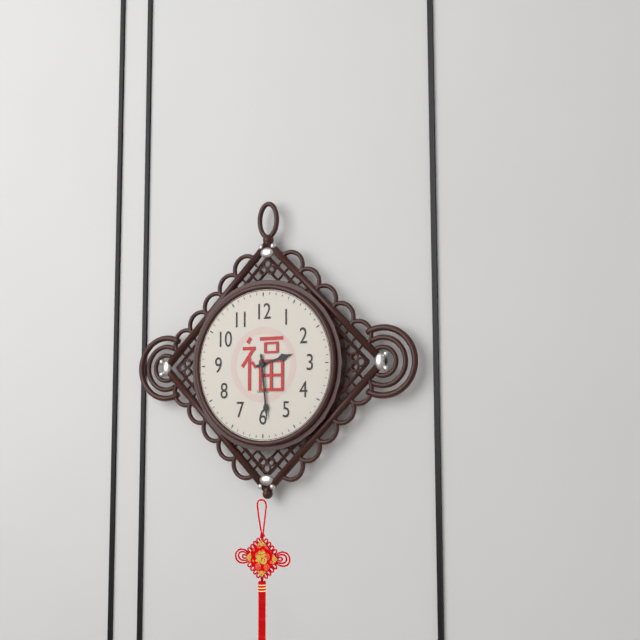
2:29
